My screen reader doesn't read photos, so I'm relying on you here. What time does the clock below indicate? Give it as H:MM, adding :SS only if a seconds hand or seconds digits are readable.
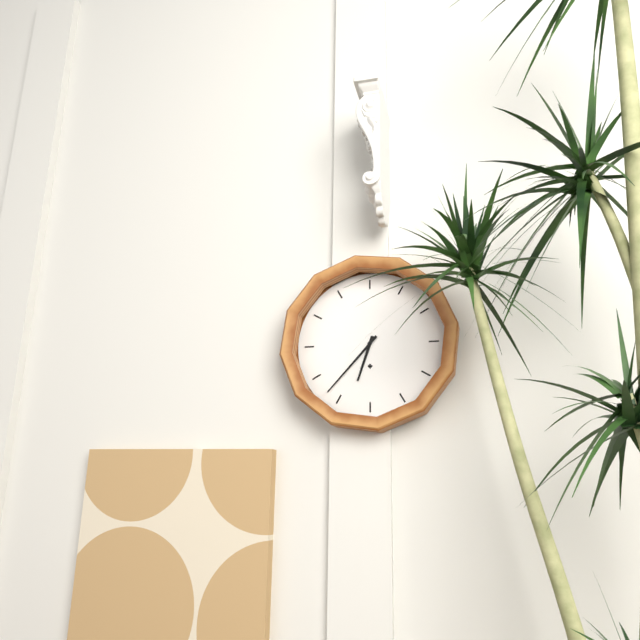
6:37
